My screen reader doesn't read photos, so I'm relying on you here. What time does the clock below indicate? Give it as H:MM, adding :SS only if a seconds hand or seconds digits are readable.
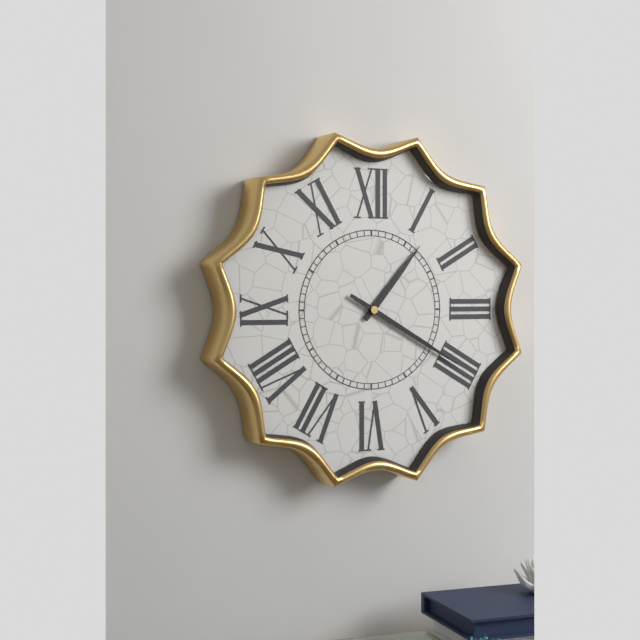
1:20
